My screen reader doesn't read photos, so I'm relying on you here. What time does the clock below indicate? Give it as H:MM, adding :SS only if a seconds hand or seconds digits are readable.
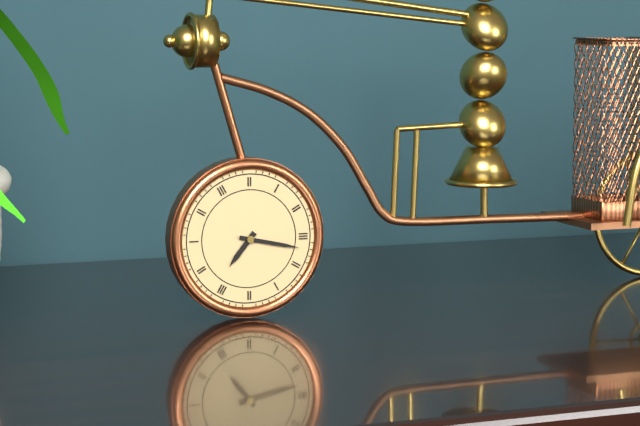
7:17
